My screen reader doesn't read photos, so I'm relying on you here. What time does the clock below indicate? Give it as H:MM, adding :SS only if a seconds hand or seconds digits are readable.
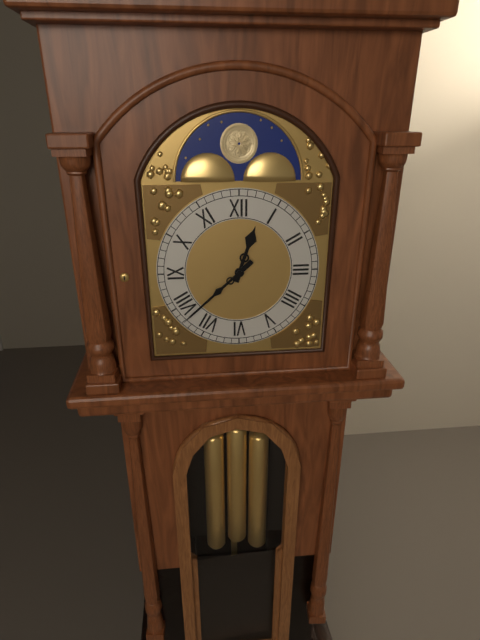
12:38
